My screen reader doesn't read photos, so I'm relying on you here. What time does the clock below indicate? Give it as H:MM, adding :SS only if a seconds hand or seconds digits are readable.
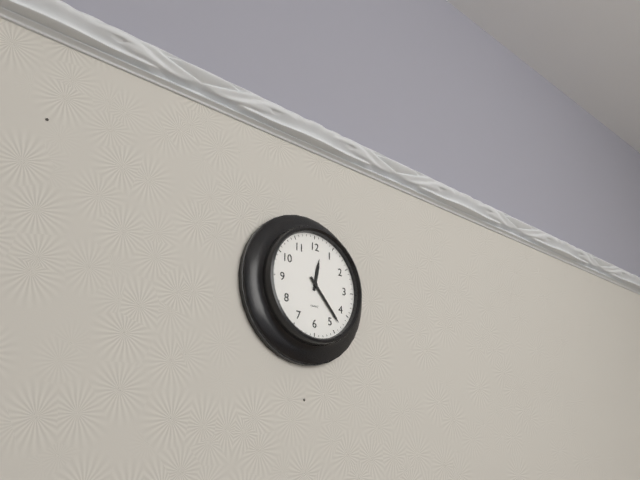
12:23
